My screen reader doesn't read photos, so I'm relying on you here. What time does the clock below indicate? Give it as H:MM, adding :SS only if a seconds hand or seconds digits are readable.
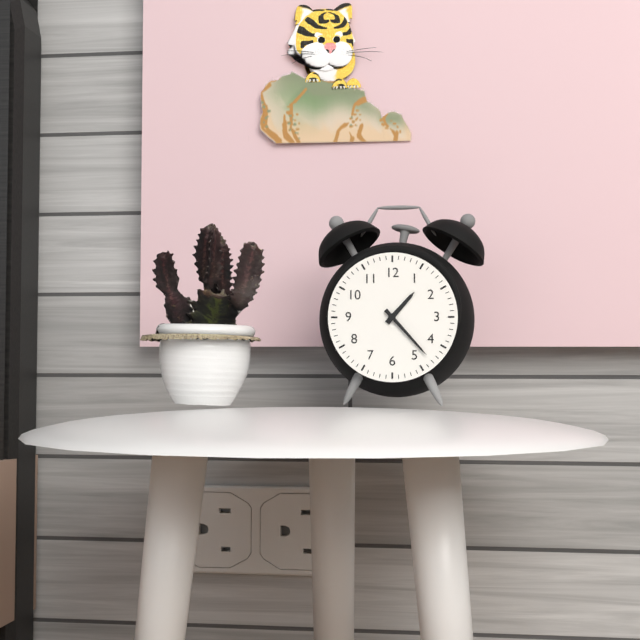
1:23
